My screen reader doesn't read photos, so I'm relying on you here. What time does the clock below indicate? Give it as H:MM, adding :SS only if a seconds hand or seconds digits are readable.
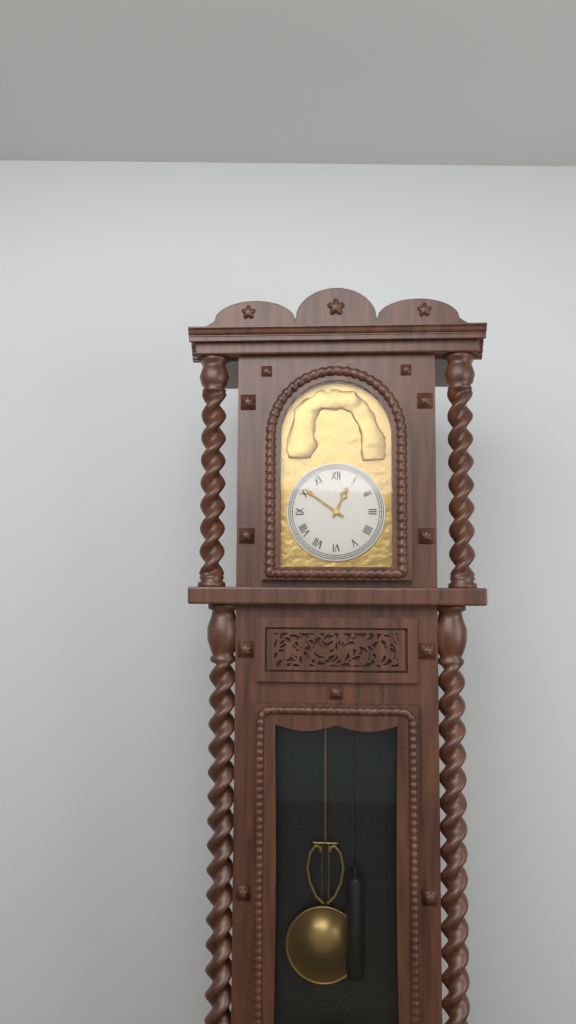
12:51
